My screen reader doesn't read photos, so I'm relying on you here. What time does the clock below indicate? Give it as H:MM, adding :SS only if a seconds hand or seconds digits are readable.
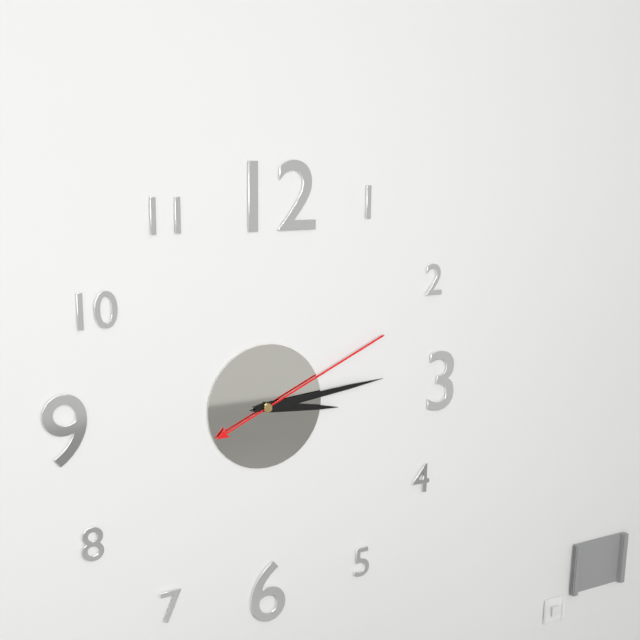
3:14:11
